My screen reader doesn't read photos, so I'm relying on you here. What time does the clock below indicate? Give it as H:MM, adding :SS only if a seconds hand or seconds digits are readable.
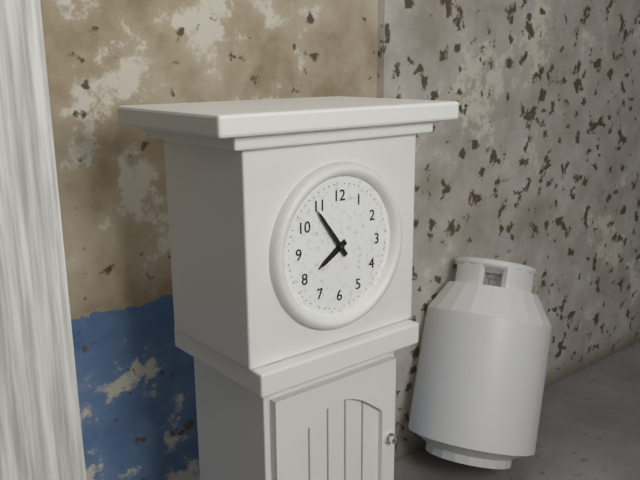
7:54
